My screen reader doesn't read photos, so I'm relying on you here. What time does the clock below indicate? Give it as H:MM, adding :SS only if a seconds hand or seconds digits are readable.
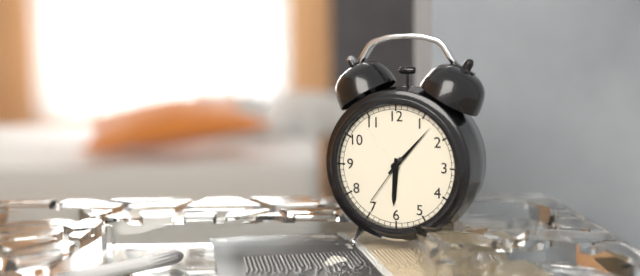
6:07:36
